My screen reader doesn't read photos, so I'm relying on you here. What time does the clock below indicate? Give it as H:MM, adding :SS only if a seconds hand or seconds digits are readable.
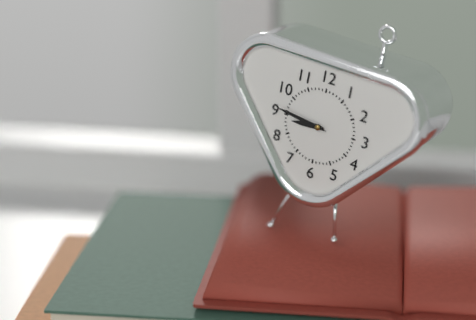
8:46
